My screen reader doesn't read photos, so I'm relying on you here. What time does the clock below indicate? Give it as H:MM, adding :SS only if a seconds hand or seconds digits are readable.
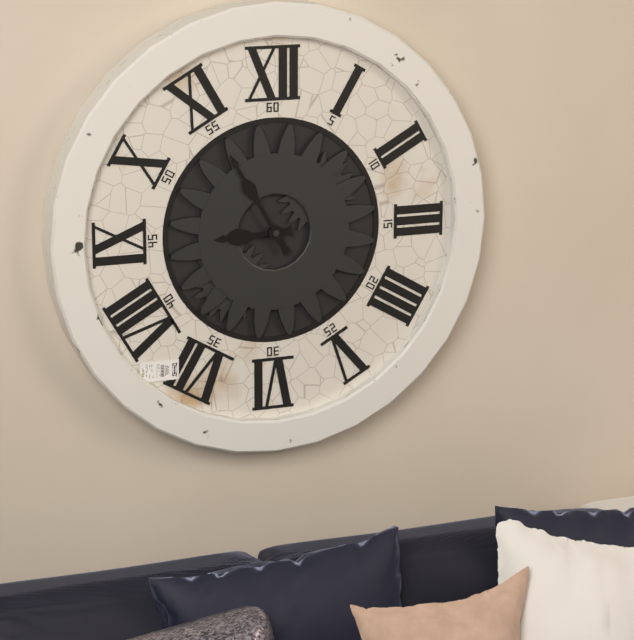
8:55
